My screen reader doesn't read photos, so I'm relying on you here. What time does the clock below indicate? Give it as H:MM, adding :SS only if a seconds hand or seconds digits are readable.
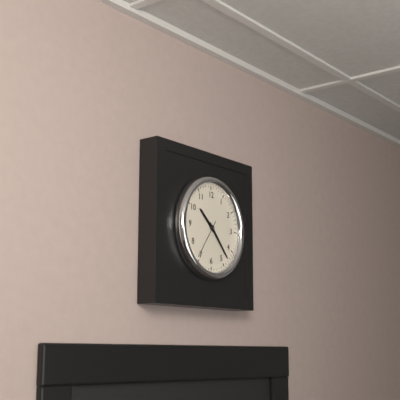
10:23
